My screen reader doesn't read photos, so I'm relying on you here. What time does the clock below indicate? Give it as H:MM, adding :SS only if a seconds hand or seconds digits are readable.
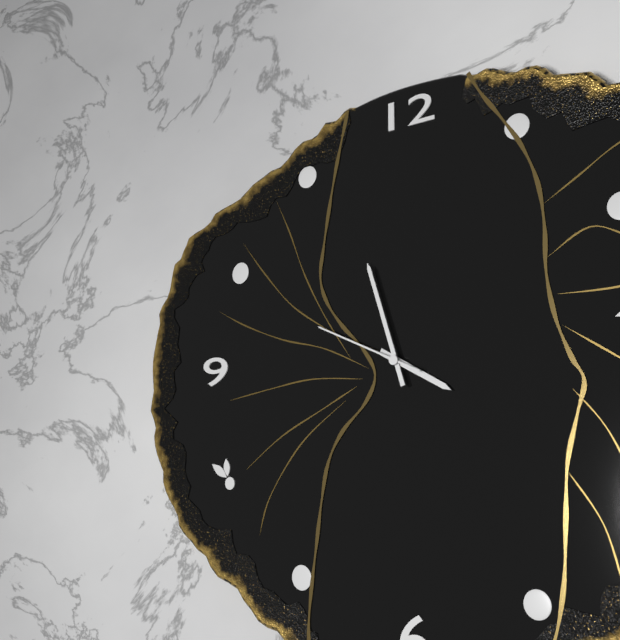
3:57:49
